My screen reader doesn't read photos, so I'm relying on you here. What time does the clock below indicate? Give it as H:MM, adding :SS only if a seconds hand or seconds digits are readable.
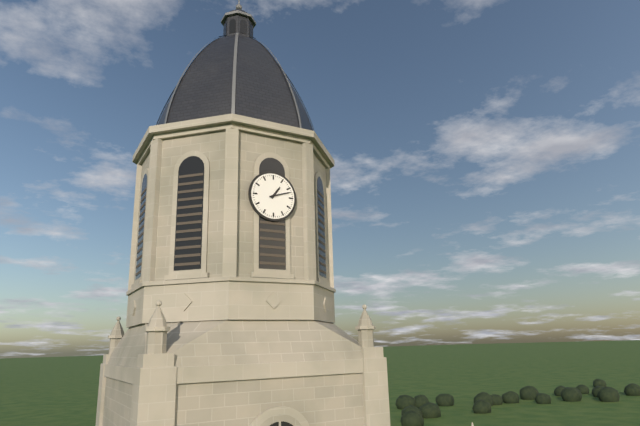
1:12
